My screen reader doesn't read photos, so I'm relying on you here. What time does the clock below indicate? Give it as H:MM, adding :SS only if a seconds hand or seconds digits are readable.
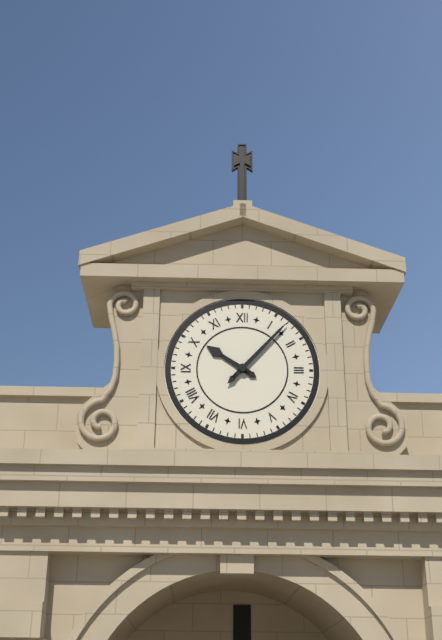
10:07
